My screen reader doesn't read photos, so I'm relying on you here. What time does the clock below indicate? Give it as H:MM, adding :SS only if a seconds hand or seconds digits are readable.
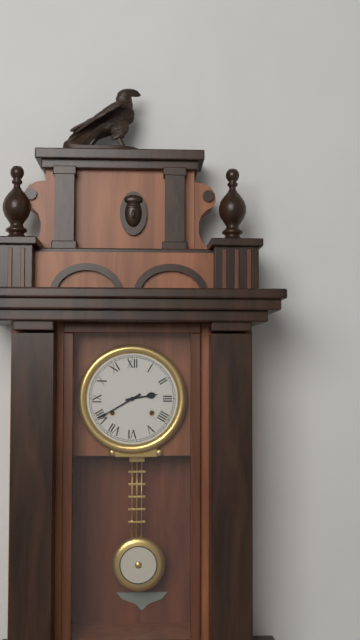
2:40
